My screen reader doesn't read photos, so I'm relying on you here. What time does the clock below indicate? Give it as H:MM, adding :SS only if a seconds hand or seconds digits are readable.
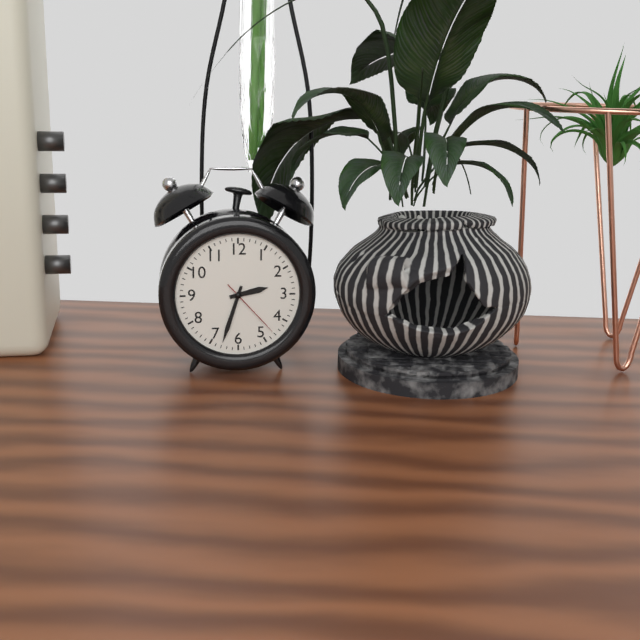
2:33:23
